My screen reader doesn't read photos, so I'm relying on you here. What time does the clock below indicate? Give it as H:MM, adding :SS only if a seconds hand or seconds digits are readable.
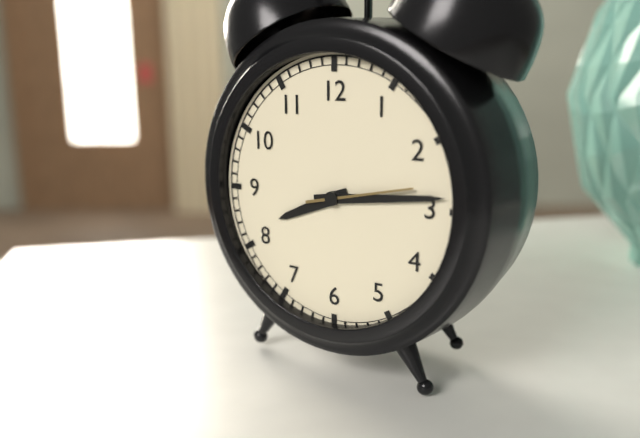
8:14:13
